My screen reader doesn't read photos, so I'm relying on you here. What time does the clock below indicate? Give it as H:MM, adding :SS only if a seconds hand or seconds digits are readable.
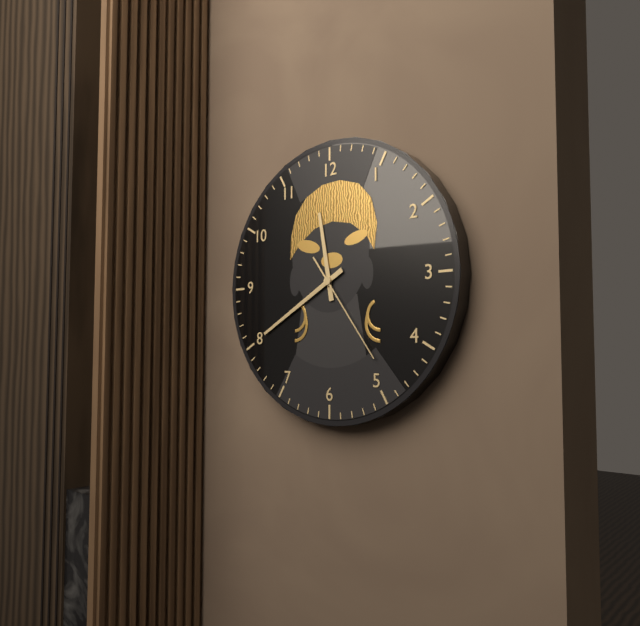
11:40:24
